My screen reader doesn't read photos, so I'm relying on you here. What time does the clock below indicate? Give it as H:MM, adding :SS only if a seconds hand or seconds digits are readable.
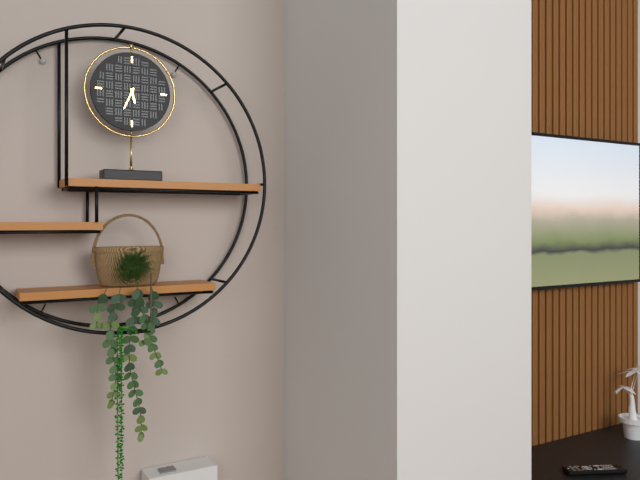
5:34
